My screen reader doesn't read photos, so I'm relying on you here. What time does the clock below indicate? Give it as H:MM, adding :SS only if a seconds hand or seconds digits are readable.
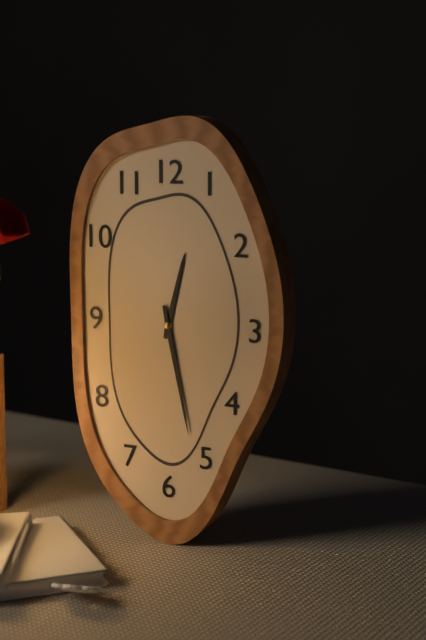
12:28
